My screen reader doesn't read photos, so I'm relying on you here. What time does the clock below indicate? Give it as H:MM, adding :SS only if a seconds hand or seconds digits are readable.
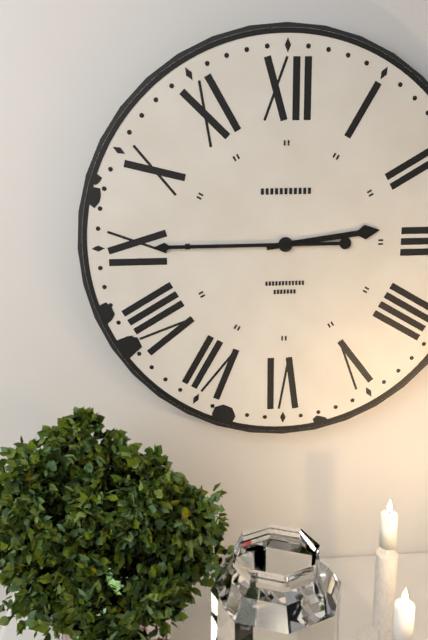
2:45
